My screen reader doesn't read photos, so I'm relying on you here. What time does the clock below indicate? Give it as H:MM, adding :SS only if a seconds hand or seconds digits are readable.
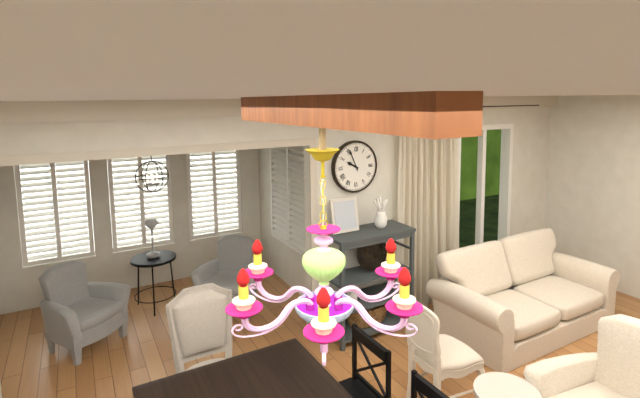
9:56
